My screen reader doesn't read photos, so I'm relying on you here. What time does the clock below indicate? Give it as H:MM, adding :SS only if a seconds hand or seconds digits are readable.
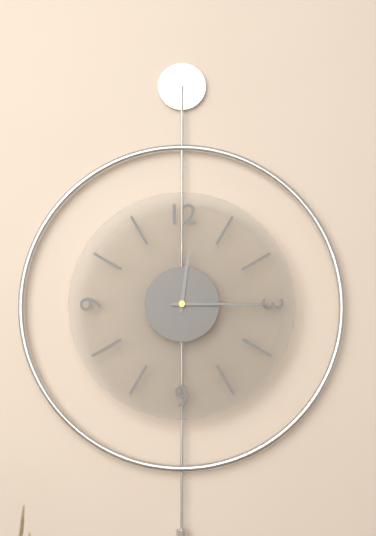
12:15
